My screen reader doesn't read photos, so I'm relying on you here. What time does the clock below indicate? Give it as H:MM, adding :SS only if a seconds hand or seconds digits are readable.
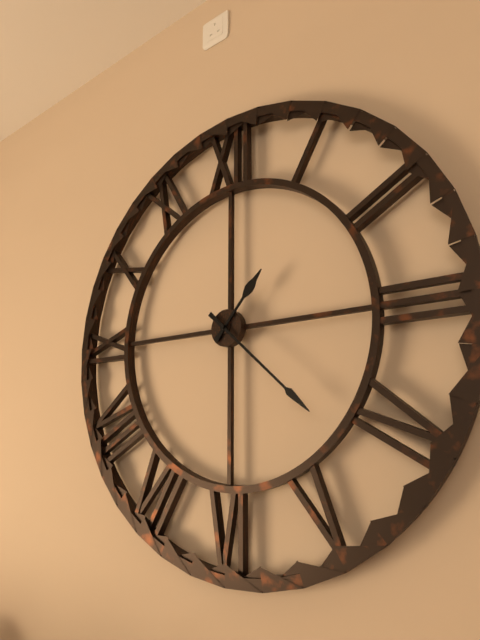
1:22
